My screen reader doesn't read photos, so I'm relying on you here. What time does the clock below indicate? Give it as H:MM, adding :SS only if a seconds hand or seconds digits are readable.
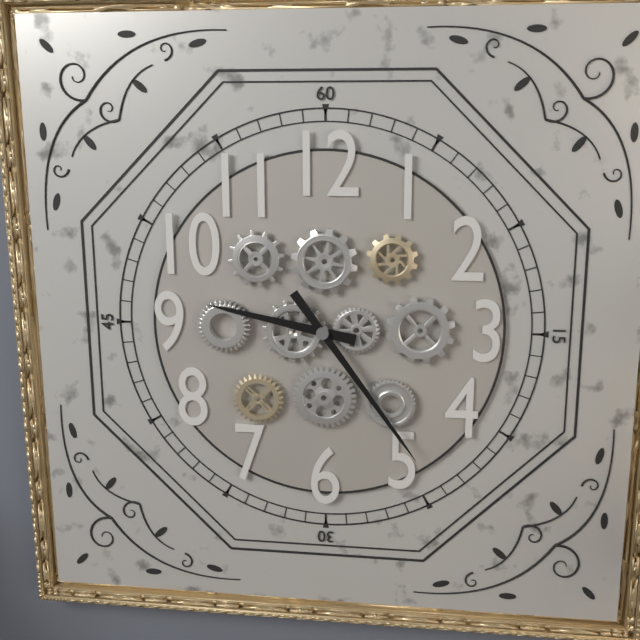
9:24
